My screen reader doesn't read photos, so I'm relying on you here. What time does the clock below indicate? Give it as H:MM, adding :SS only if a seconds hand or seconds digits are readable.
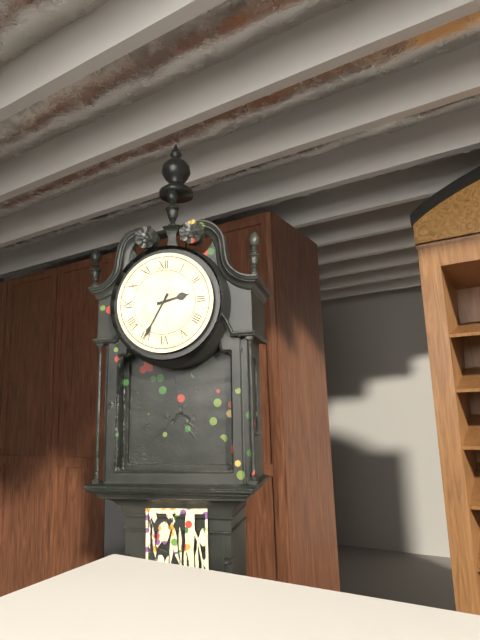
2:35
